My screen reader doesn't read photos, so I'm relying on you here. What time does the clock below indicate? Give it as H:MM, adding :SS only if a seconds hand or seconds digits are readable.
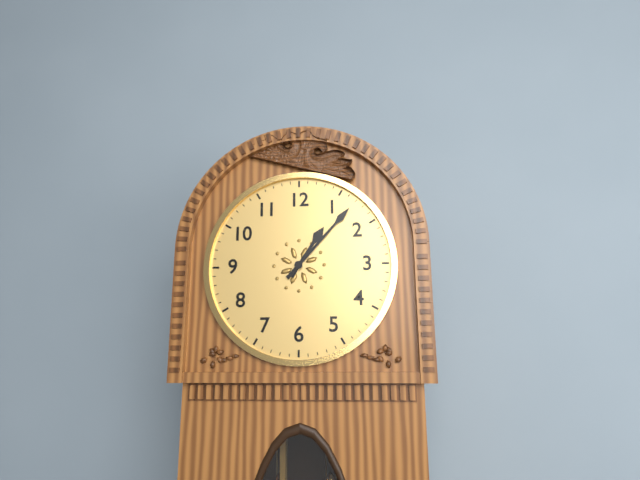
1:07
